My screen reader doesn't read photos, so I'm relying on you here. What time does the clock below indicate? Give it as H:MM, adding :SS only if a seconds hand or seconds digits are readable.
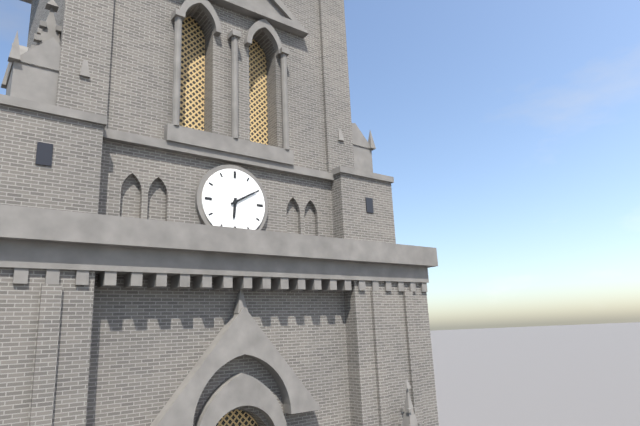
6:10
